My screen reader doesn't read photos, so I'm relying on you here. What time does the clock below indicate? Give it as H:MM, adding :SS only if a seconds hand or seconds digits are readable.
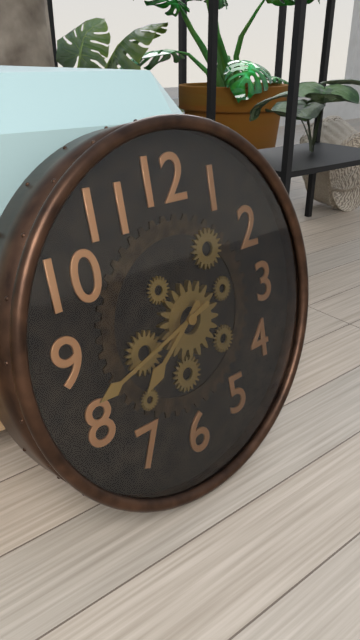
7:42
